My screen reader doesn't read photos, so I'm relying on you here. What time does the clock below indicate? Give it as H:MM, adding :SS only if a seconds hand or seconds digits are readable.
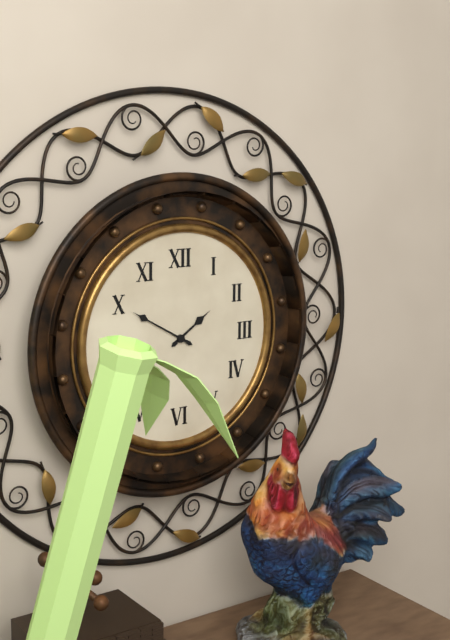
1:50
